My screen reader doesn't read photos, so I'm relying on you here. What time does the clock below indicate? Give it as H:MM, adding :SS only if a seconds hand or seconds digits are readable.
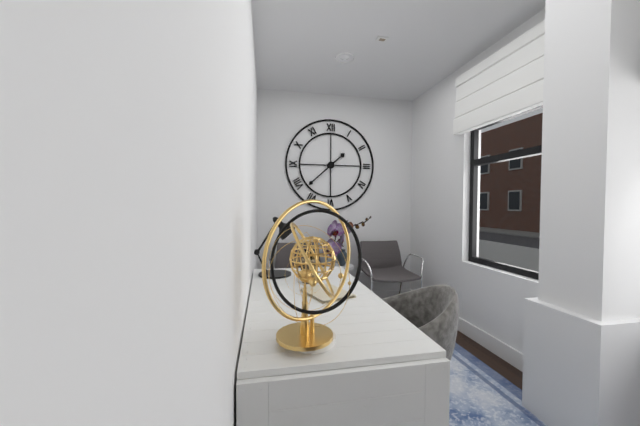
1:38
